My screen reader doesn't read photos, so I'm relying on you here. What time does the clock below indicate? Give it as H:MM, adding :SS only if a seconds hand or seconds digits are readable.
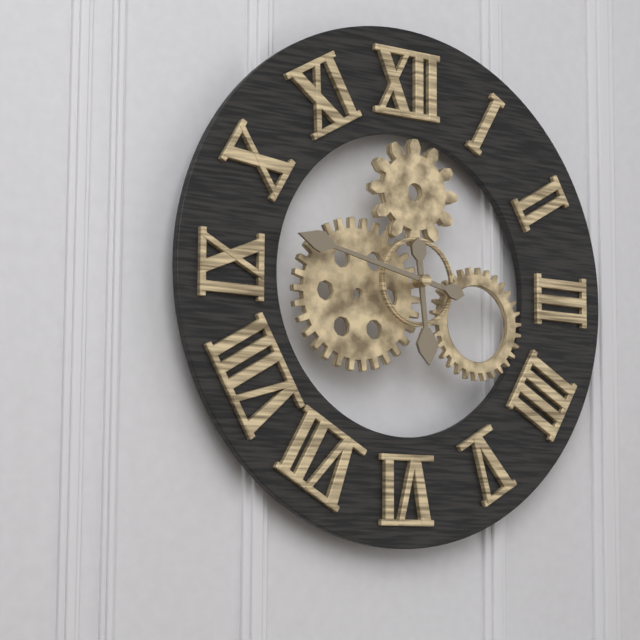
5:47
